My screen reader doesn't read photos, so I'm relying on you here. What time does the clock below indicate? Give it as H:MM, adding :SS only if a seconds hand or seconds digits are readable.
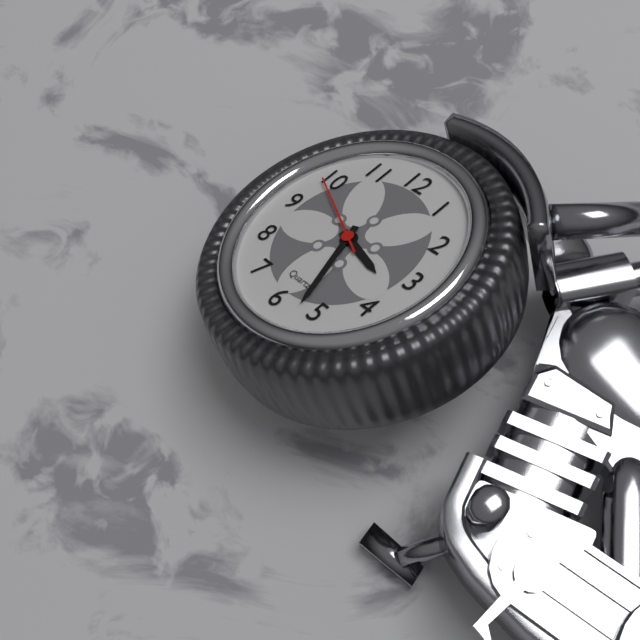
3:27:49
